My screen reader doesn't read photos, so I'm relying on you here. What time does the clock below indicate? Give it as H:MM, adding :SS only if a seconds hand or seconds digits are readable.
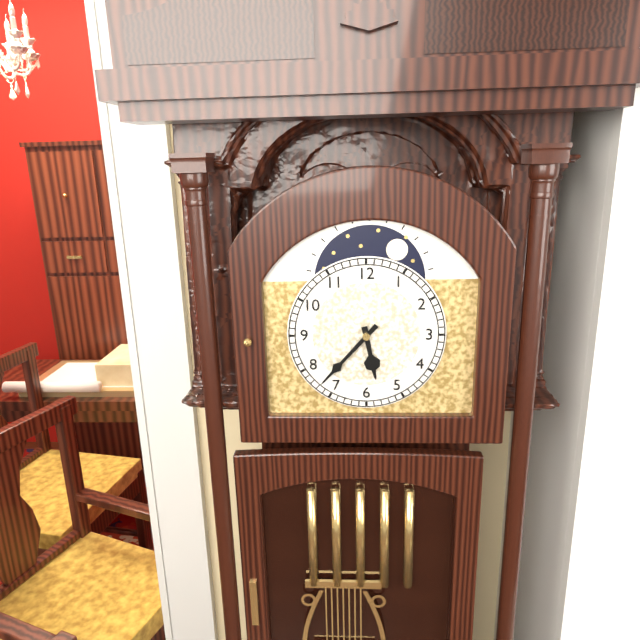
5:37
